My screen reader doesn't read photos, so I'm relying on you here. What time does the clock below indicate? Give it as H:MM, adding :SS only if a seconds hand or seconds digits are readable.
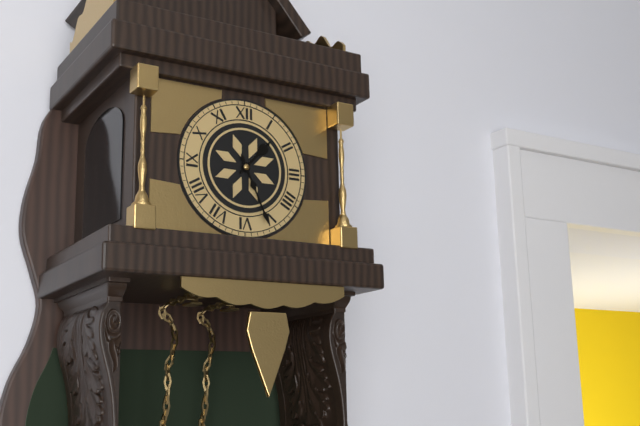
1:26
